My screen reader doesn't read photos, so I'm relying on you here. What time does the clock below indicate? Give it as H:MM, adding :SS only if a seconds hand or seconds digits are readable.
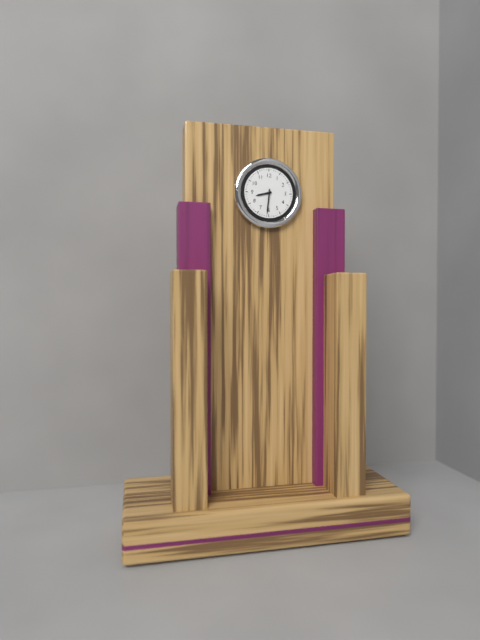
8:31
